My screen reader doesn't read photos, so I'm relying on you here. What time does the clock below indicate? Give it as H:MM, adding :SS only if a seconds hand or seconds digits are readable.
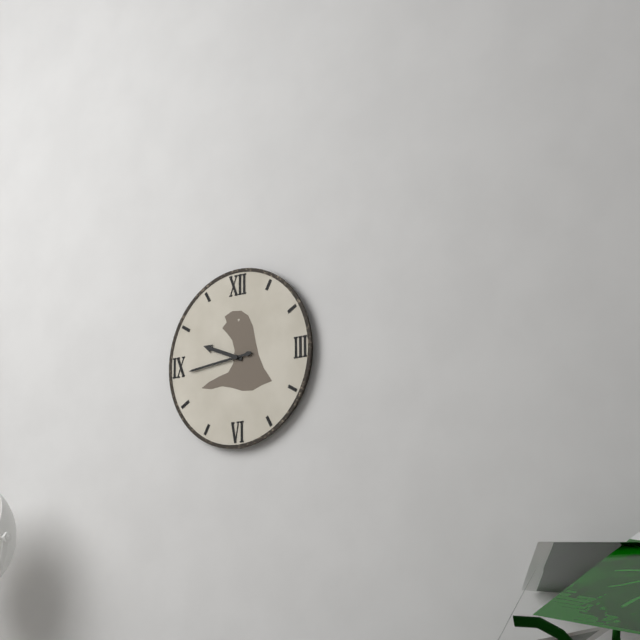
9:44
